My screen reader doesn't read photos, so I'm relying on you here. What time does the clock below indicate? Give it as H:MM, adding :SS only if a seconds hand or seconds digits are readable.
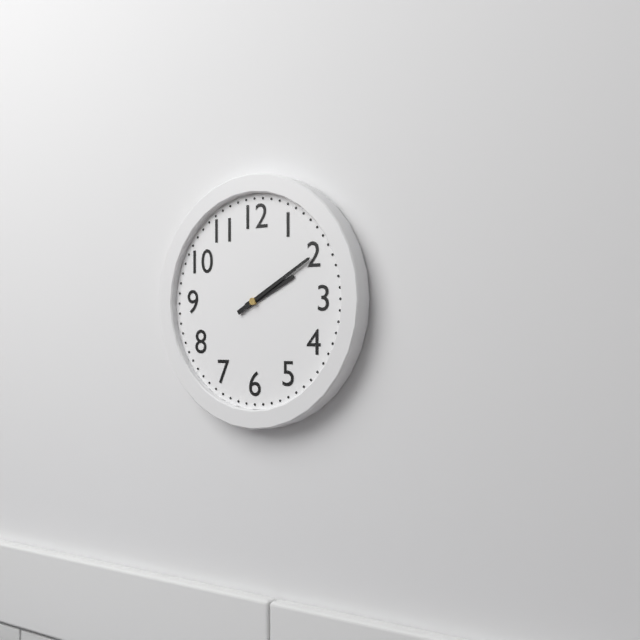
2:10
